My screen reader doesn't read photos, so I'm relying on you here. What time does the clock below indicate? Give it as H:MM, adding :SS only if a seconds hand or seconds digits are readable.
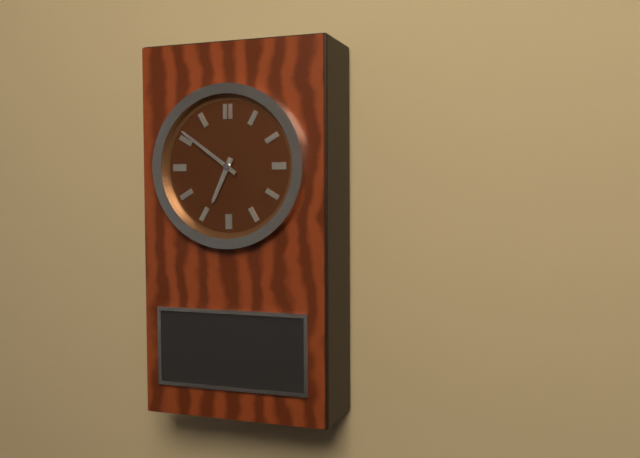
6:51
